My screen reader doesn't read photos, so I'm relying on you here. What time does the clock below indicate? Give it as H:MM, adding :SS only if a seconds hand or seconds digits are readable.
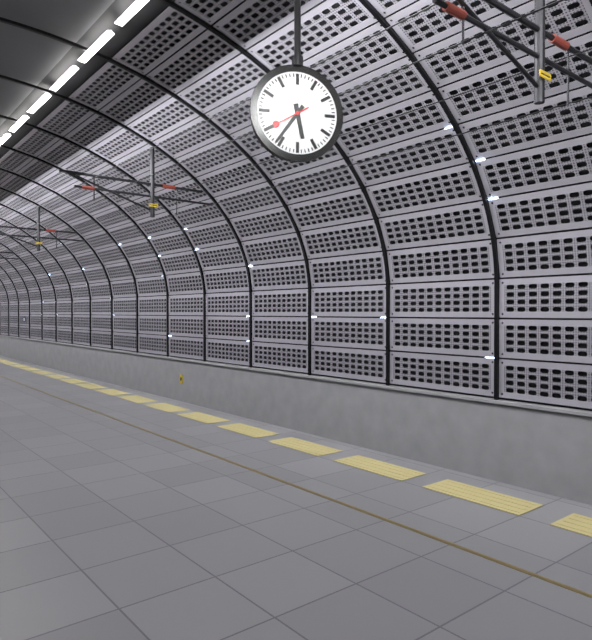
5:36
